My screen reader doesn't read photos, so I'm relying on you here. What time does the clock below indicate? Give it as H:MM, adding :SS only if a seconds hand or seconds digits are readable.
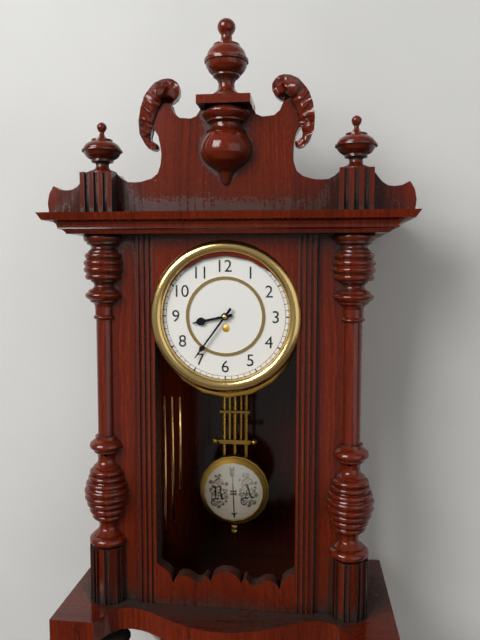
8:36
